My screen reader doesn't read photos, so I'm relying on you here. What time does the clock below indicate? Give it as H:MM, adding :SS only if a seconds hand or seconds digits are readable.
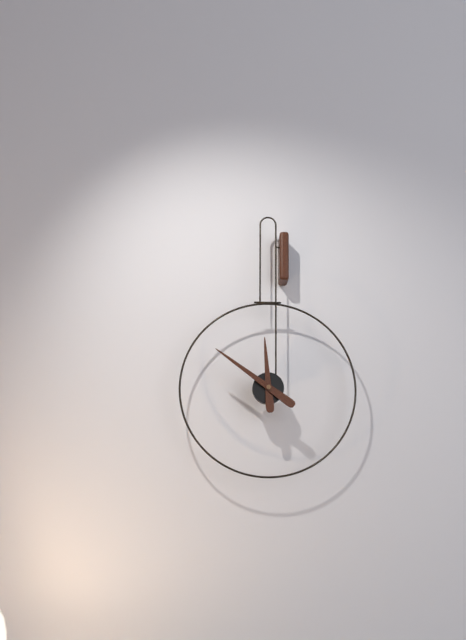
11:51
